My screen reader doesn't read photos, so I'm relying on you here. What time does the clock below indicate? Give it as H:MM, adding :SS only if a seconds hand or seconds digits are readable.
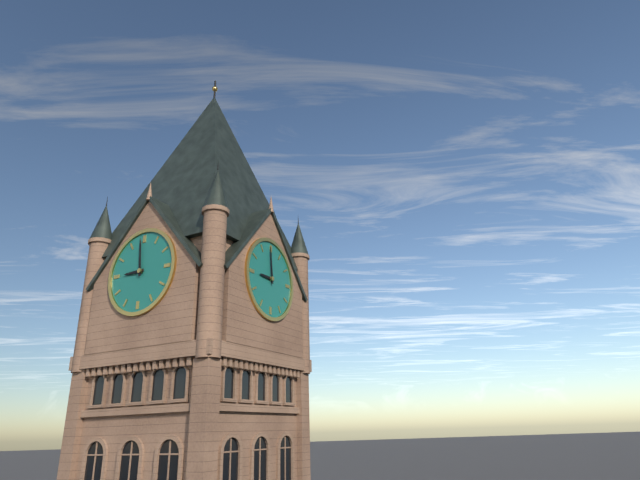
8:59
